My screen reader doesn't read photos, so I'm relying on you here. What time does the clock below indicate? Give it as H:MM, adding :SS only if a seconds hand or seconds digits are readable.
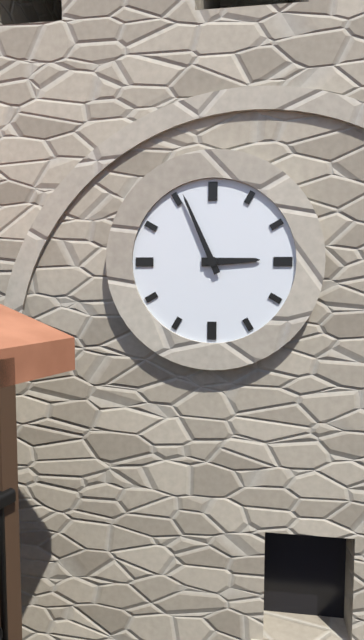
2:56
